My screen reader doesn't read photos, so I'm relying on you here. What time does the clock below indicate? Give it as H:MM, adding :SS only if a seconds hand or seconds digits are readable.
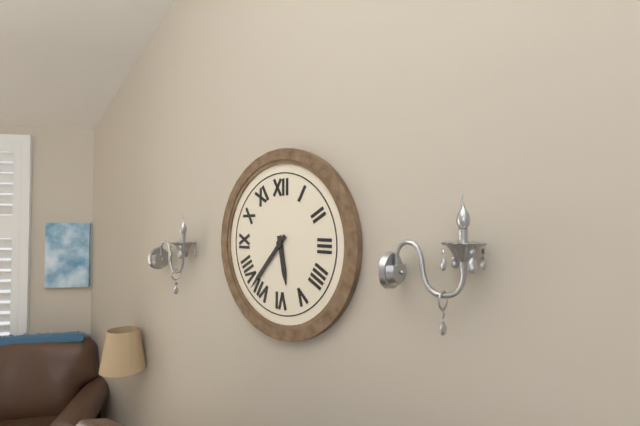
5:37
